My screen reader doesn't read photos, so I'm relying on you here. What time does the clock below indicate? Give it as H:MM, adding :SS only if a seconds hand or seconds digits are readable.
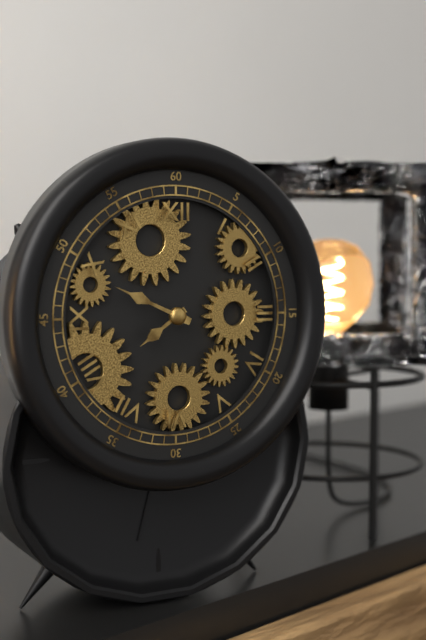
7:49
